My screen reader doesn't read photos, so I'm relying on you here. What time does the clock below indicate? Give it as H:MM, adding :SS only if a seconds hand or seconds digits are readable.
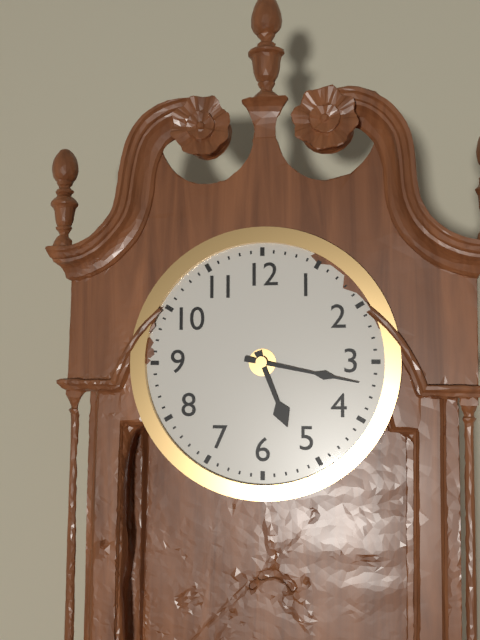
5:17
